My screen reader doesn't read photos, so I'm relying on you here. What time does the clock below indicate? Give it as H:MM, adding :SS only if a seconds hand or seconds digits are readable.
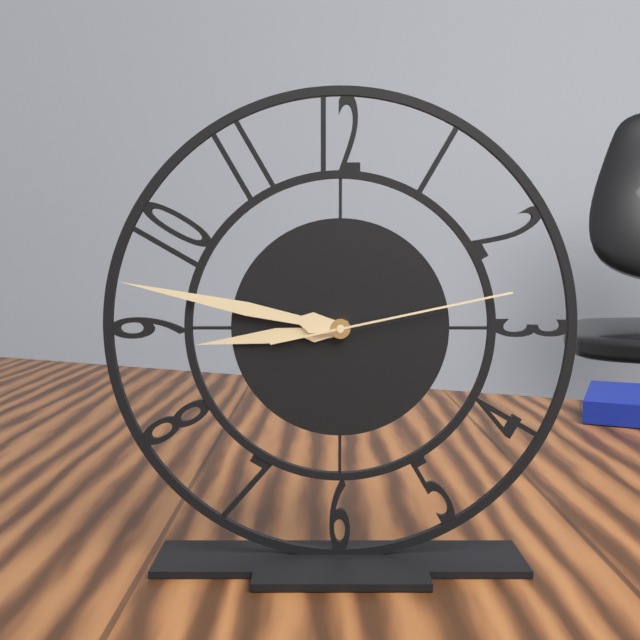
8:47:13
